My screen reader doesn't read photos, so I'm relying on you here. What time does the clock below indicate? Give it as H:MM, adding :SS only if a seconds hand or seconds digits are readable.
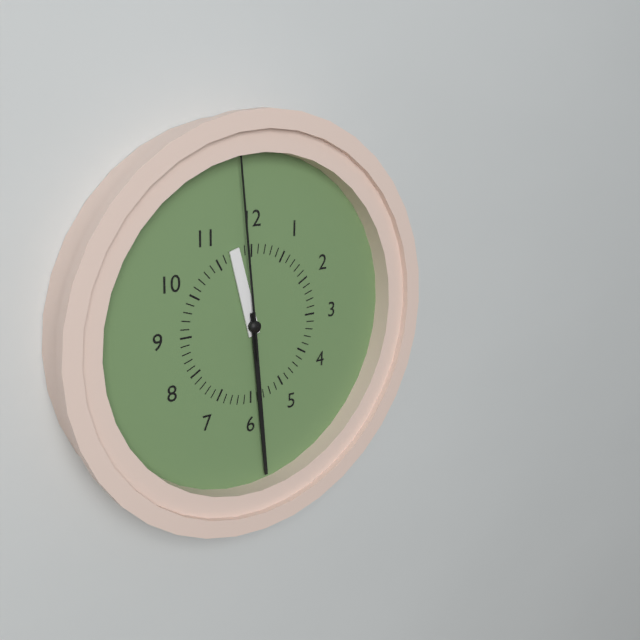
11:29:59
